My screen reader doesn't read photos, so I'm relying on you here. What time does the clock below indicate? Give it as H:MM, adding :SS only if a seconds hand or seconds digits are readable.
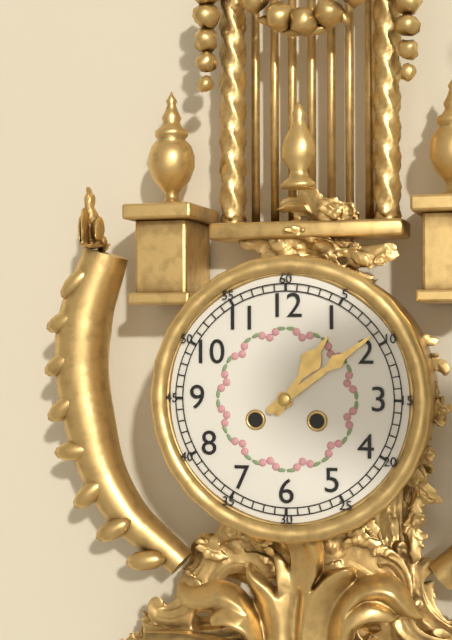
1:09
